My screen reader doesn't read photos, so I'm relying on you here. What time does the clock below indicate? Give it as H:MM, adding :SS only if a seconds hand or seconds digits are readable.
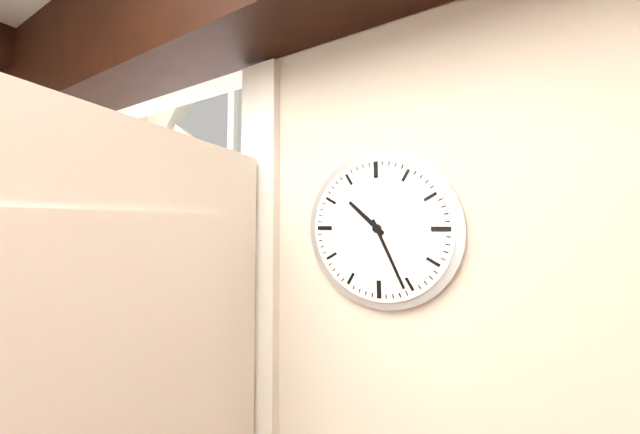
10:26
